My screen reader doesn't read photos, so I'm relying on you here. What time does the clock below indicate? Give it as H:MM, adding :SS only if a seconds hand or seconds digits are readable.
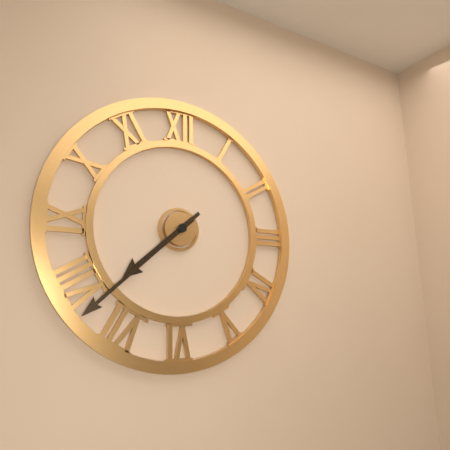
7:38
